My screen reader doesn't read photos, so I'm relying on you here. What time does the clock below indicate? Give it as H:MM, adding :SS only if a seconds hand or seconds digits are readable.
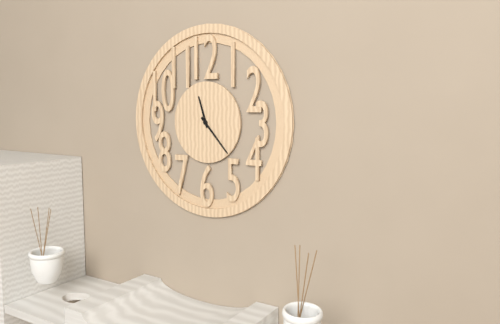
11:23
